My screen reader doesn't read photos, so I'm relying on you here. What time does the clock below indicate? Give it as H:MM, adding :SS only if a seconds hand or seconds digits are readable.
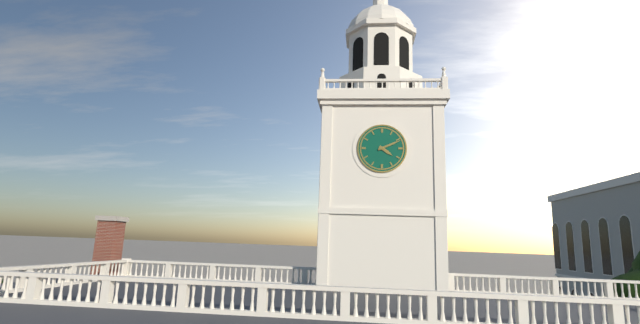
4:11
